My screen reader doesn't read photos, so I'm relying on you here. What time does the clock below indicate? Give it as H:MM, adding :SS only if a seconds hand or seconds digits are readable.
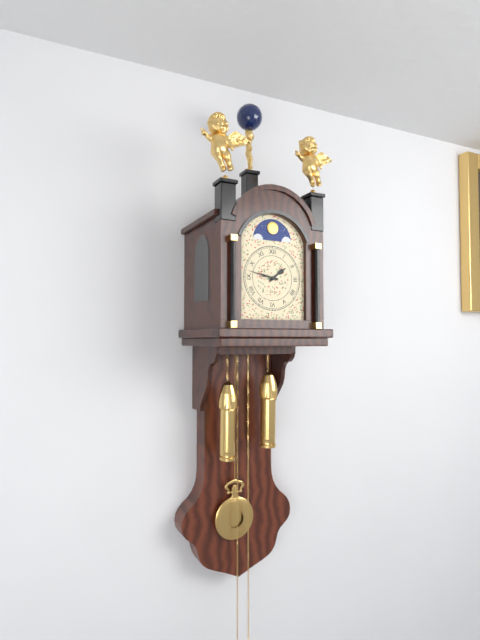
1:47
